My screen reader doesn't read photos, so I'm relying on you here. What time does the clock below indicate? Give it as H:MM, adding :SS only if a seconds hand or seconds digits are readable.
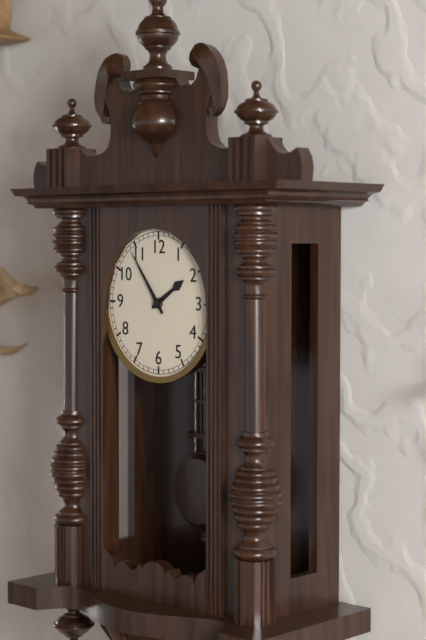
1:54
